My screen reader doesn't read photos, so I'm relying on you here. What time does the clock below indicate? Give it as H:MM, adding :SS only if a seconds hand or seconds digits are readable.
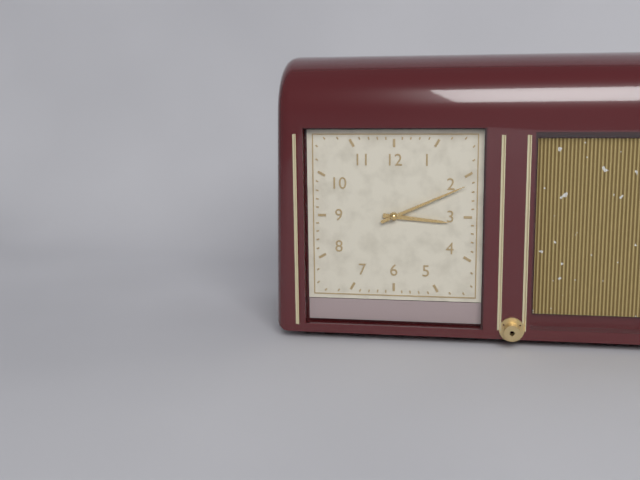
3:11
